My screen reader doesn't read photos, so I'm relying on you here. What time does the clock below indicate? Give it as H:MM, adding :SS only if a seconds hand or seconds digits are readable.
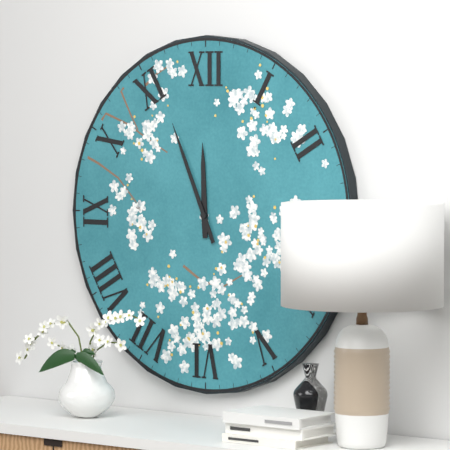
11:56
